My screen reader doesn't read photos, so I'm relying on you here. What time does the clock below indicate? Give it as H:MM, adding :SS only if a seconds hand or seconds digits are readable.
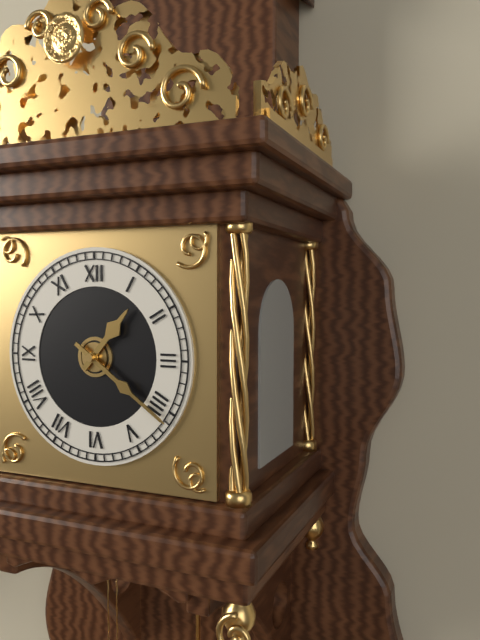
1:21
